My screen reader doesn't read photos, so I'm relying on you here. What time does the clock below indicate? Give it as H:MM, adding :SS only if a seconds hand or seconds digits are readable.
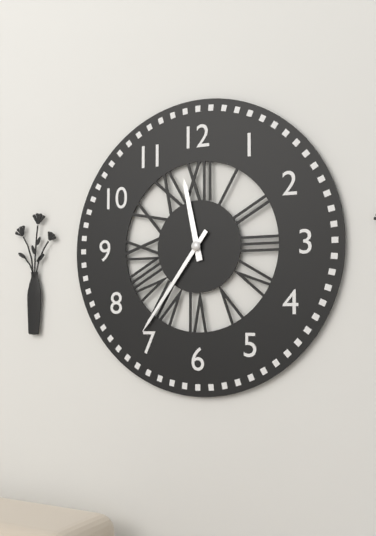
11:36
